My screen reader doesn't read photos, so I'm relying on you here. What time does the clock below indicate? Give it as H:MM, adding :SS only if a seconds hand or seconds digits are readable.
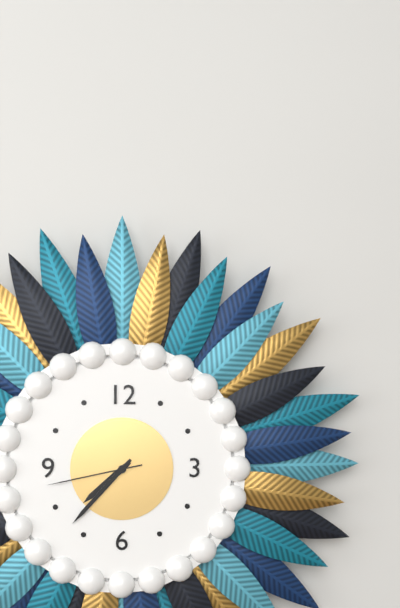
7:37:43
